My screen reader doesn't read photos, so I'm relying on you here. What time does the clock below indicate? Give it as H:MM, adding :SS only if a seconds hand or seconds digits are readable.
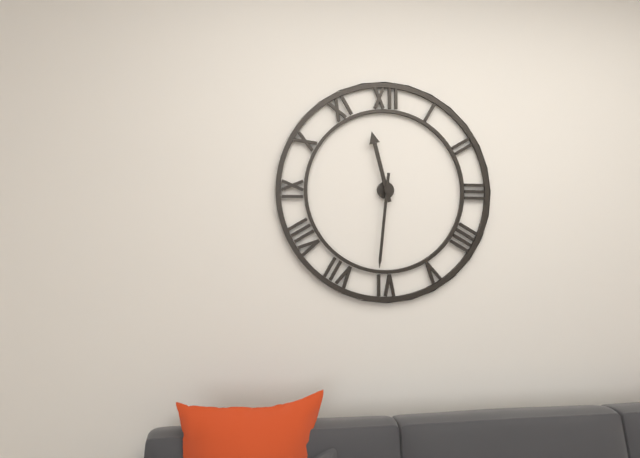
11:31
